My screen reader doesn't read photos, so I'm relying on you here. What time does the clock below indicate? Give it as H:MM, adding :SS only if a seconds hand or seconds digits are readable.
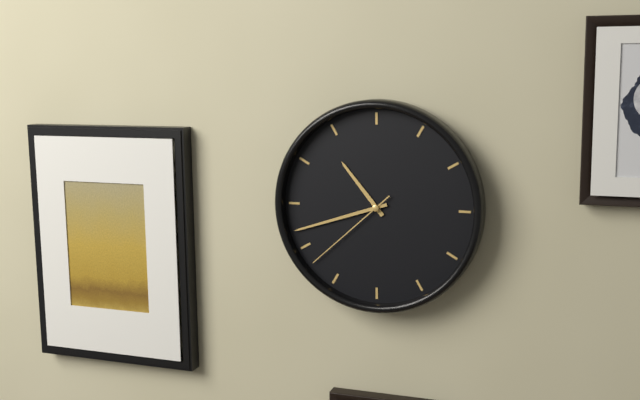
10:42:38
